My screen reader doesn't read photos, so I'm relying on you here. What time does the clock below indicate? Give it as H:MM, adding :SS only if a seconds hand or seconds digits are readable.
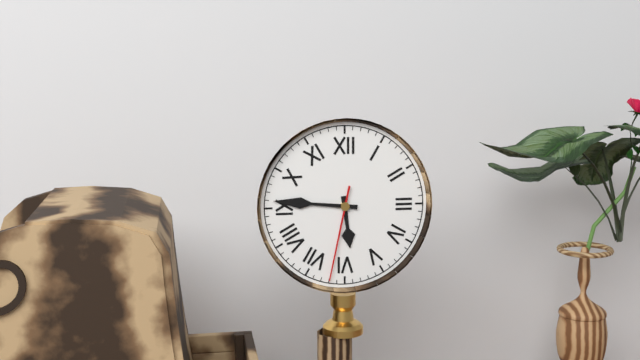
5:46:32
